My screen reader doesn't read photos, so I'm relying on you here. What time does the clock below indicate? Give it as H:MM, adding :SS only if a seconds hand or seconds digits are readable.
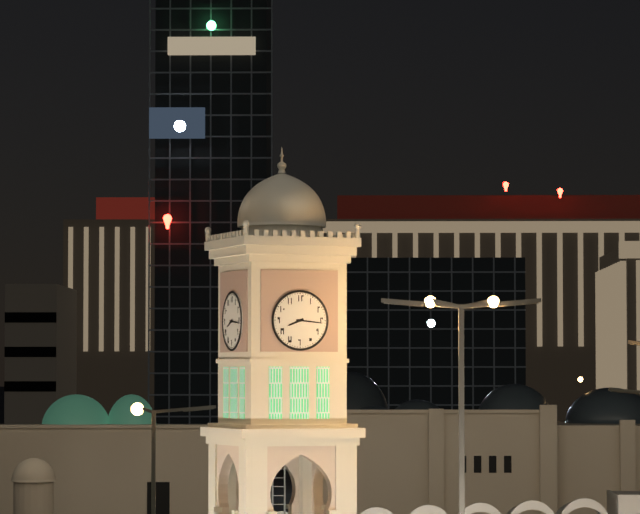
8:16
